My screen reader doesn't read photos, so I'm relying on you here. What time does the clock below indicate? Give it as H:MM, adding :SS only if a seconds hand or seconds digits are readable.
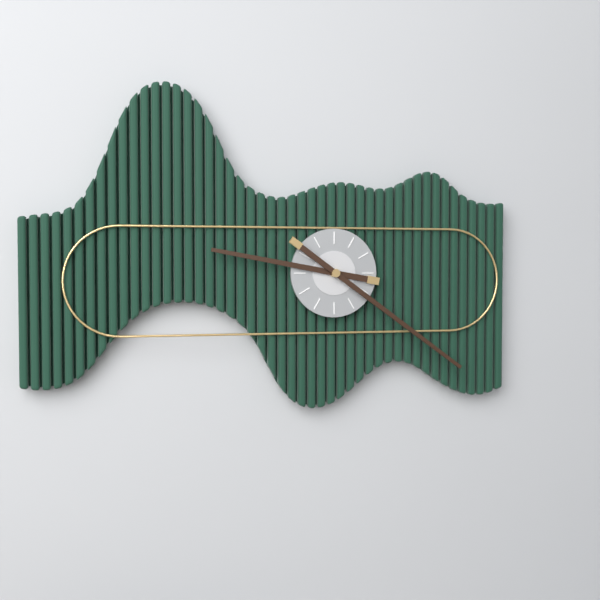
9:21
